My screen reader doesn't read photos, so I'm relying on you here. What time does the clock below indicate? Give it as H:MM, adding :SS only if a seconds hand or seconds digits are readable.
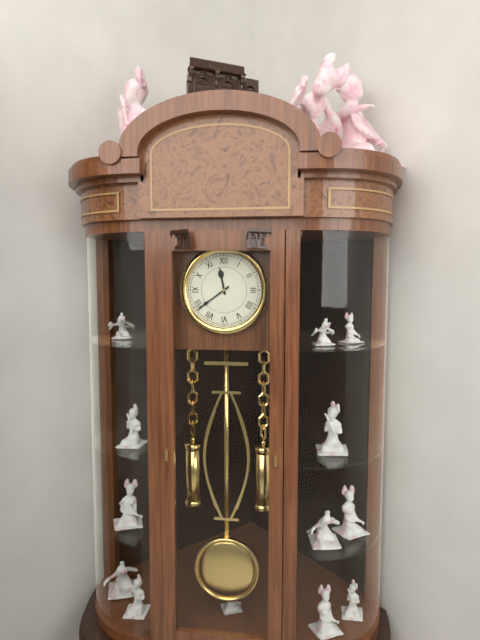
11:39
